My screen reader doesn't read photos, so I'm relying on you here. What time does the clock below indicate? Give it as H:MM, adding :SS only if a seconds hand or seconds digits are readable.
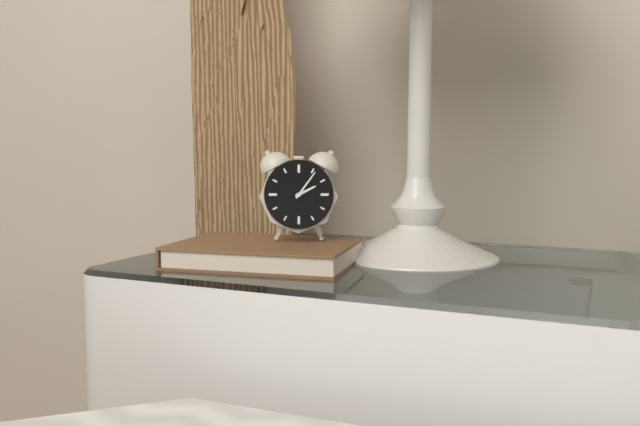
2:06
